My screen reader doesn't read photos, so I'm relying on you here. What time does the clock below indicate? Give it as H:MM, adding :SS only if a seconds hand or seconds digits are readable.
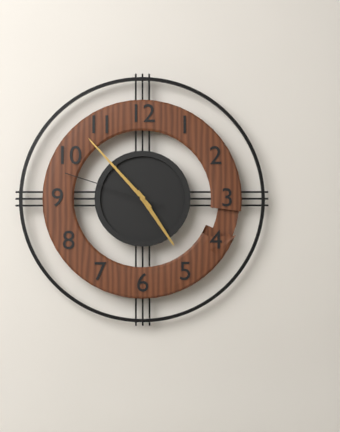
4:53:48
